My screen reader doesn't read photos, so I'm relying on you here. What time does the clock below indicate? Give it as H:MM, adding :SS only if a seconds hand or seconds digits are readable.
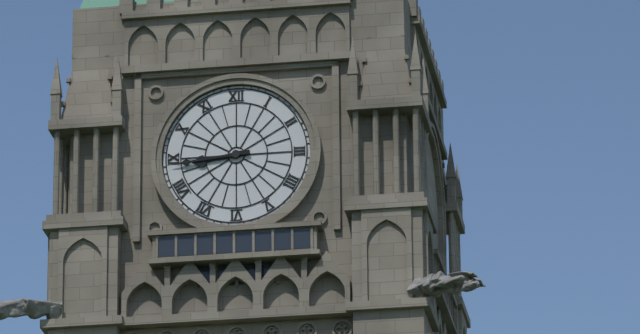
8:44
